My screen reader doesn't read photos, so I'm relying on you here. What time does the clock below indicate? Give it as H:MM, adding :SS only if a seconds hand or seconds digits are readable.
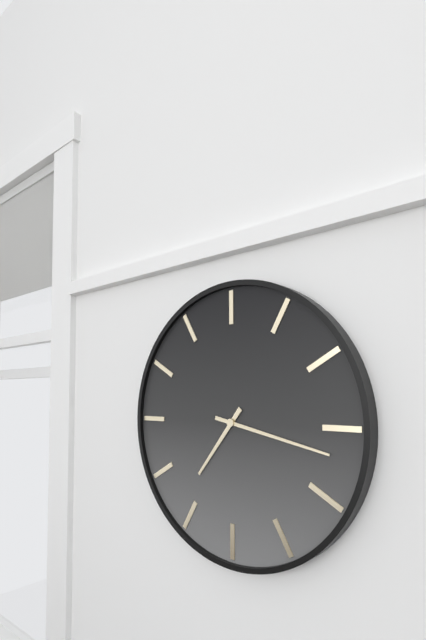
7:17
